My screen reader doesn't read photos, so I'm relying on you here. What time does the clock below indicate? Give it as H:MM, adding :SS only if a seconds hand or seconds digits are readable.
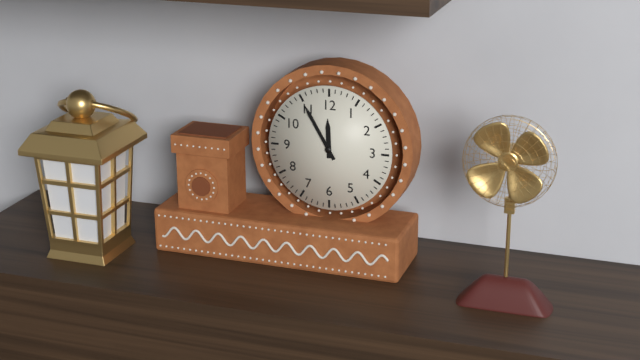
11:55
